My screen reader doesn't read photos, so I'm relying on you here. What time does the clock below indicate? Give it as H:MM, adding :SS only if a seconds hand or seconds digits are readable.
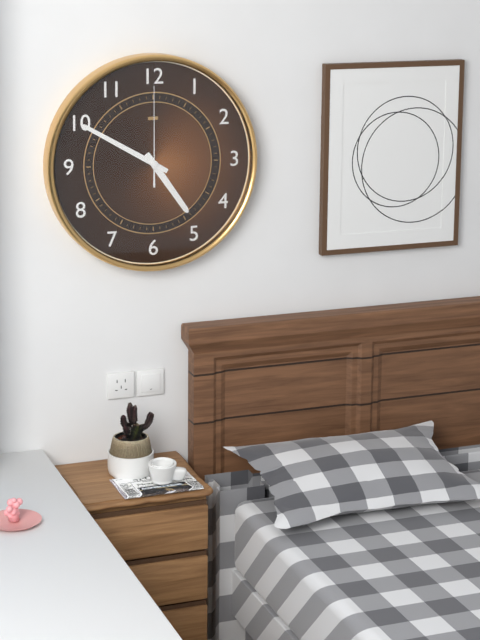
4:50:00
